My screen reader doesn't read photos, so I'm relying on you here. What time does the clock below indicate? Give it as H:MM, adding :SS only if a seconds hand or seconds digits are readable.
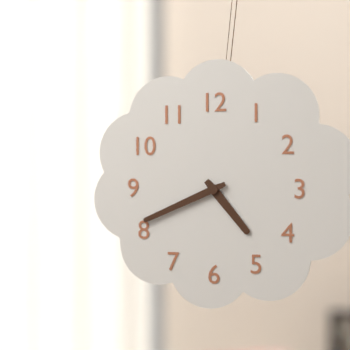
4:41
